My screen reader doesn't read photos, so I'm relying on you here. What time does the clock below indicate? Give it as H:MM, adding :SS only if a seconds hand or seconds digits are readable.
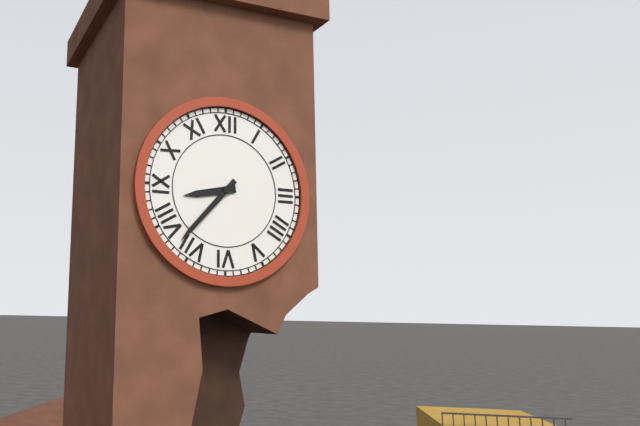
8:37
